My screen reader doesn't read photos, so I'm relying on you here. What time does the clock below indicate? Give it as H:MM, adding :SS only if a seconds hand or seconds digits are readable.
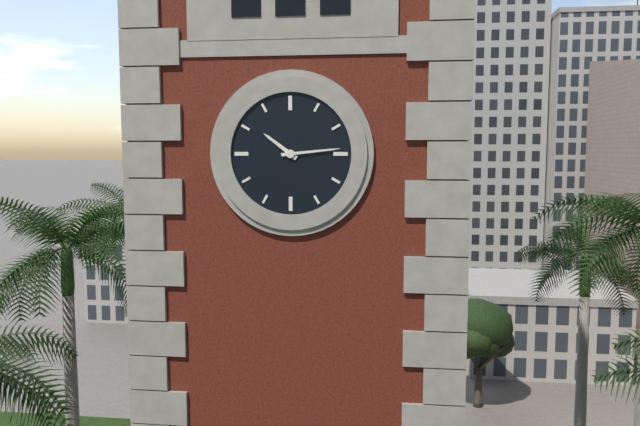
10:14
